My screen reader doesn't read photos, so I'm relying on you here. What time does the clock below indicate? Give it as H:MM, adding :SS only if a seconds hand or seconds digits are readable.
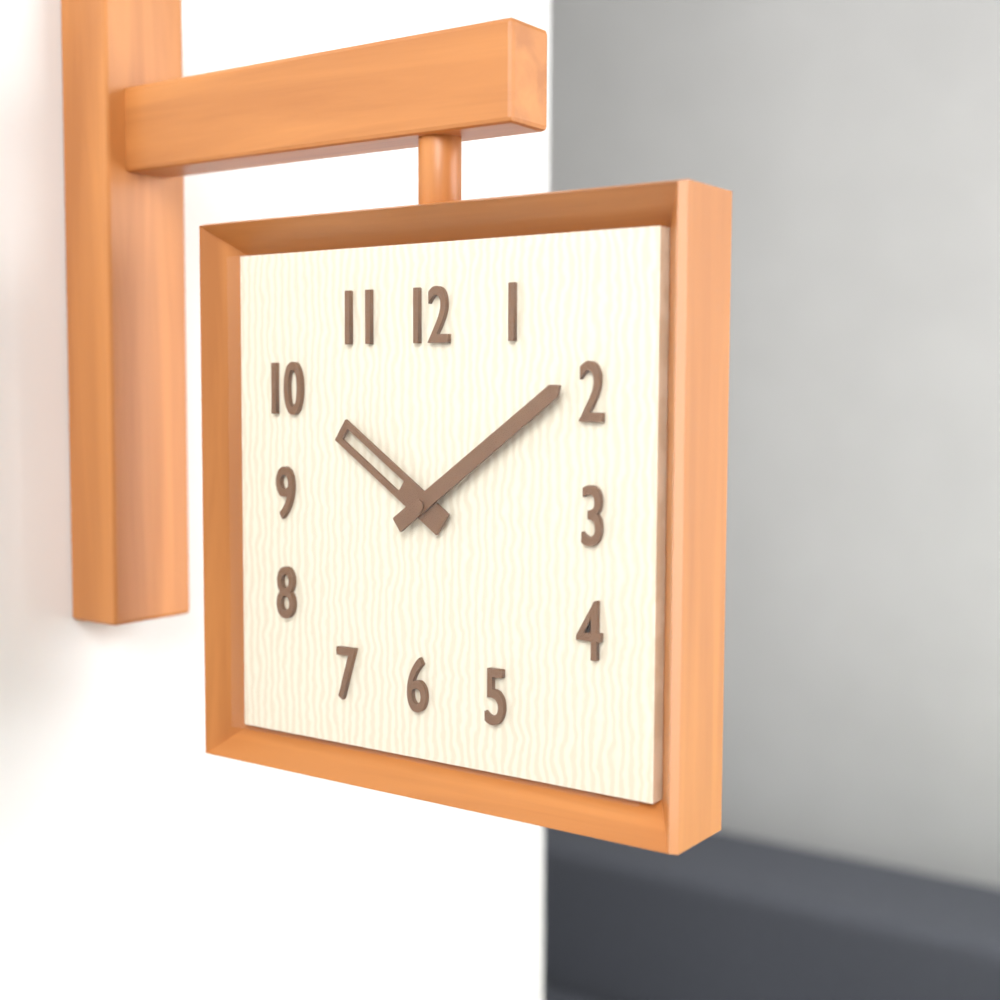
10:09
